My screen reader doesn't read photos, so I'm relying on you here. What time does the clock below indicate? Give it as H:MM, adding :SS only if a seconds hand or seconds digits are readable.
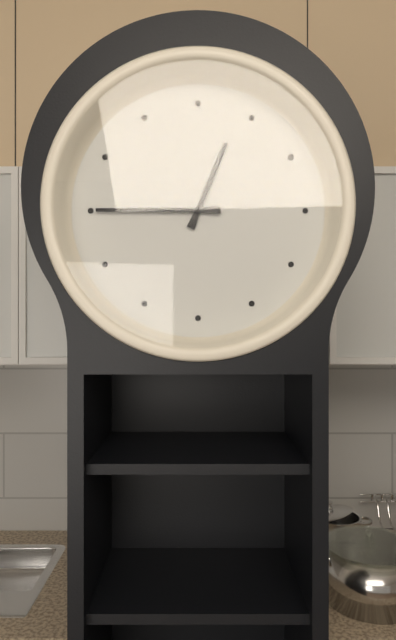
12:45
